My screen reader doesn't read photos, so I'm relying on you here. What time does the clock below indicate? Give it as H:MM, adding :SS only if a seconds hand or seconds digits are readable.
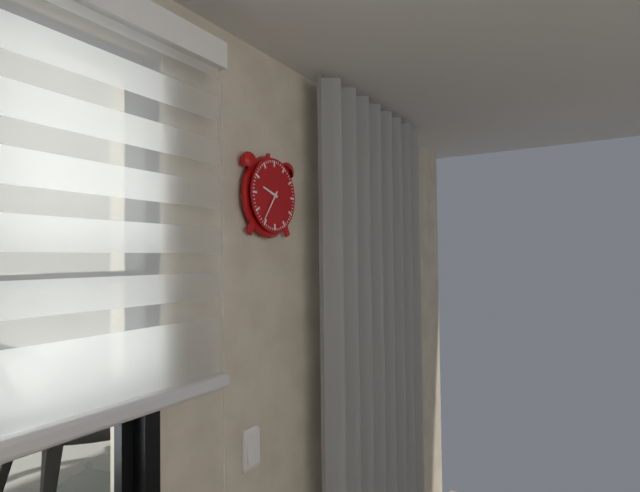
9:36
